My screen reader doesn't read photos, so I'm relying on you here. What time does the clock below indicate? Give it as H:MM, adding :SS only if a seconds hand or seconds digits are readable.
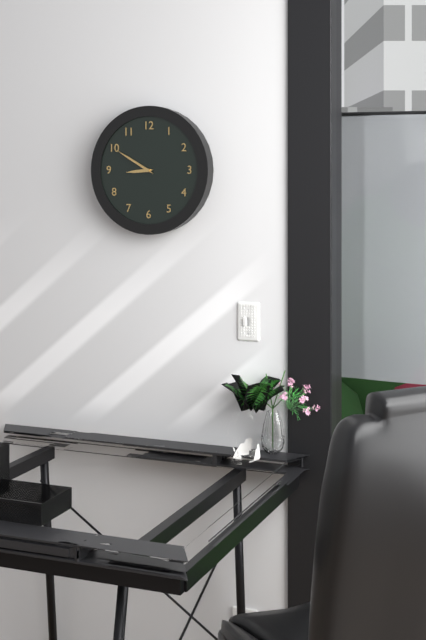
8:50
